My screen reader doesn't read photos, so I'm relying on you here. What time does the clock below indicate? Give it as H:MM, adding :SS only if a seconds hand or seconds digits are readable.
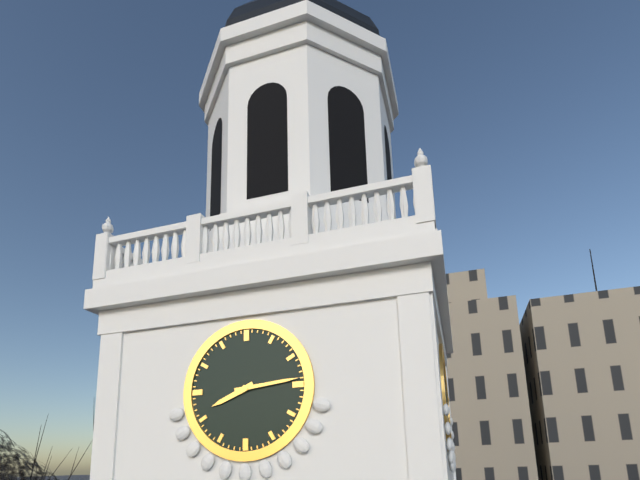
8:14
